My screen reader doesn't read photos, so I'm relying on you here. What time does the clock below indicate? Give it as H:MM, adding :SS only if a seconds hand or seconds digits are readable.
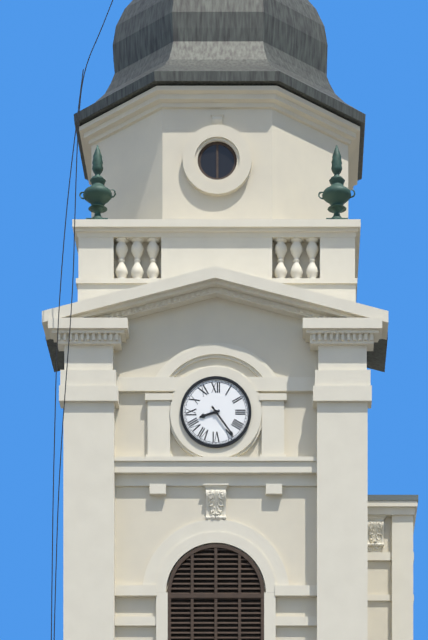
8:24
